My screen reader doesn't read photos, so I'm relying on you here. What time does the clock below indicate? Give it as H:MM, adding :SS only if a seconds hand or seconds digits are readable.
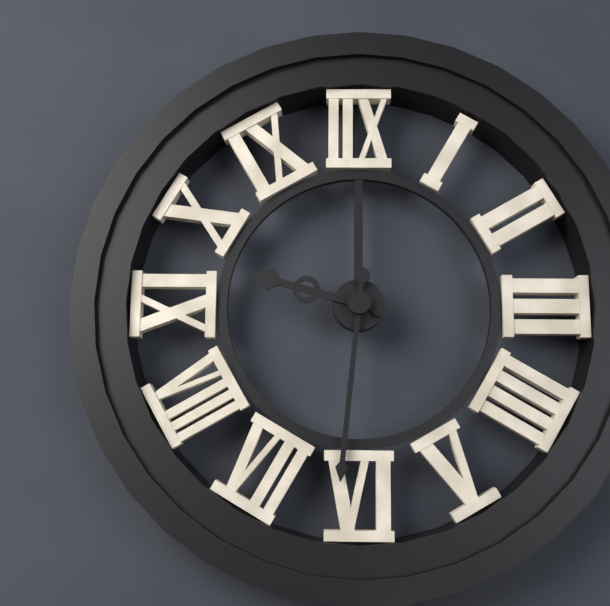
9:31
